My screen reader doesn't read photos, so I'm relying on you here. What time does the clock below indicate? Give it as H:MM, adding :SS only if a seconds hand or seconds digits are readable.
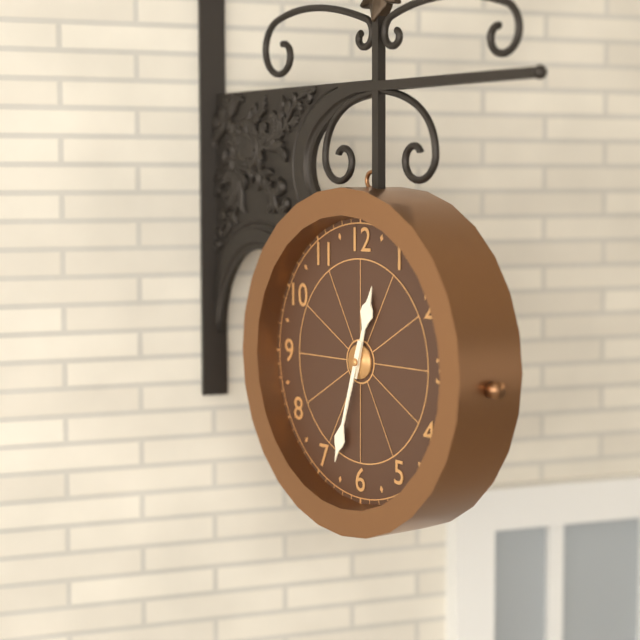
12:33
